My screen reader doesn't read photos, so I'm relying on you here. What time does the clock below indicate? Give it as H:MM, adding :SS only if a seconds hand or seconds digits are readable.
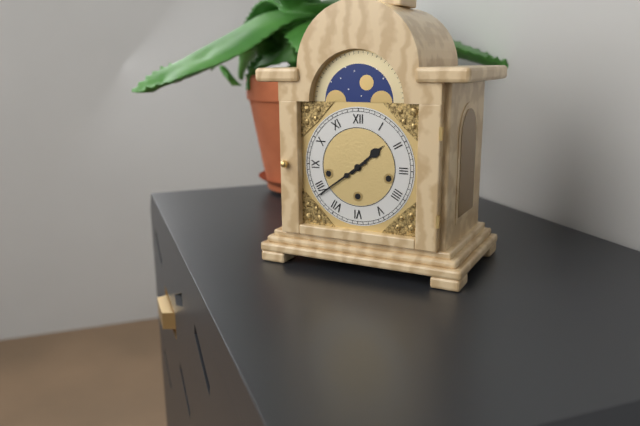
1:39
